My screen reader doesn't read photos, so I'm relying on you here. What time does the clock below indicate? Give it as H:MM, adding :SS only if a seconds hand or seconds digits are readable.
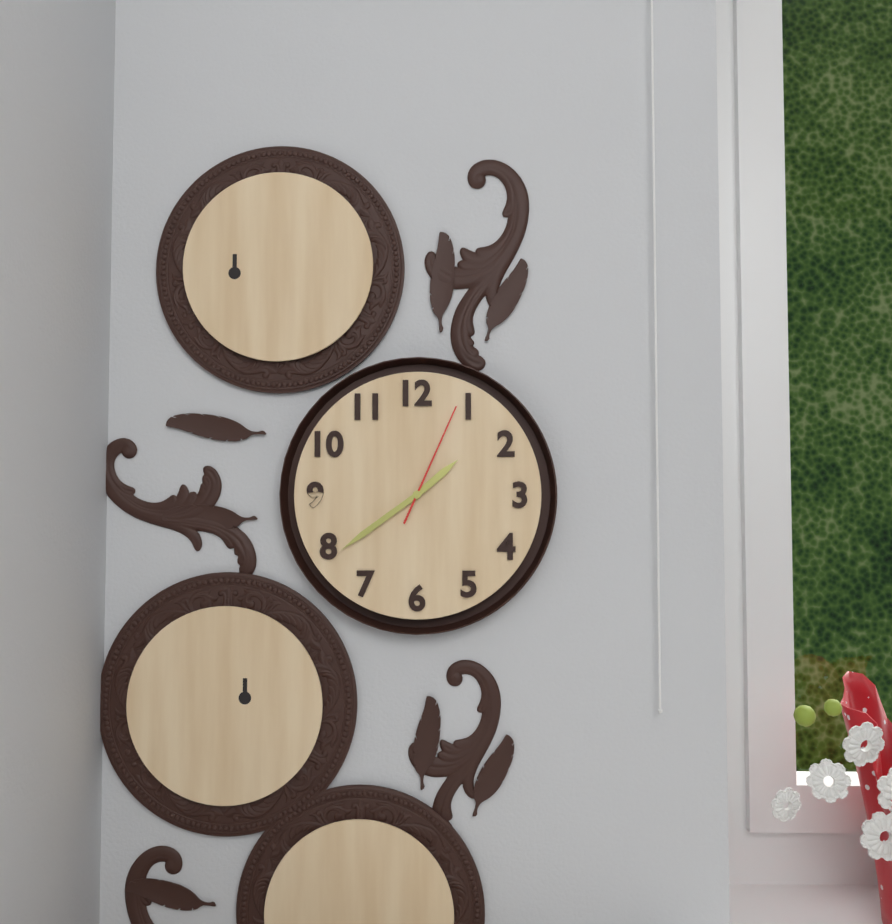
1:39:04
